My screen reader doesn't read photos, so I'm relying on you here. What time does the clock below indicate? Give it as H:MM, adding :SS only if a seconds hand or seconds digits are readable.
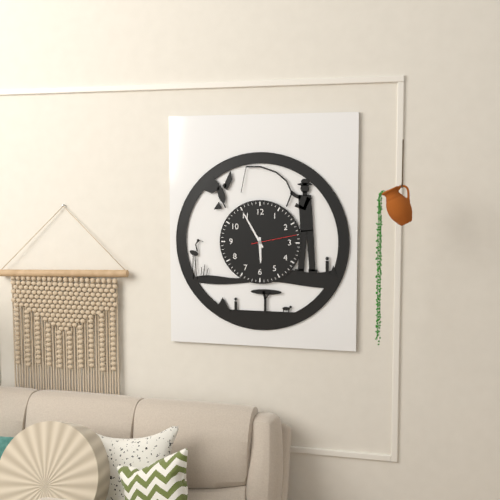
5:55
